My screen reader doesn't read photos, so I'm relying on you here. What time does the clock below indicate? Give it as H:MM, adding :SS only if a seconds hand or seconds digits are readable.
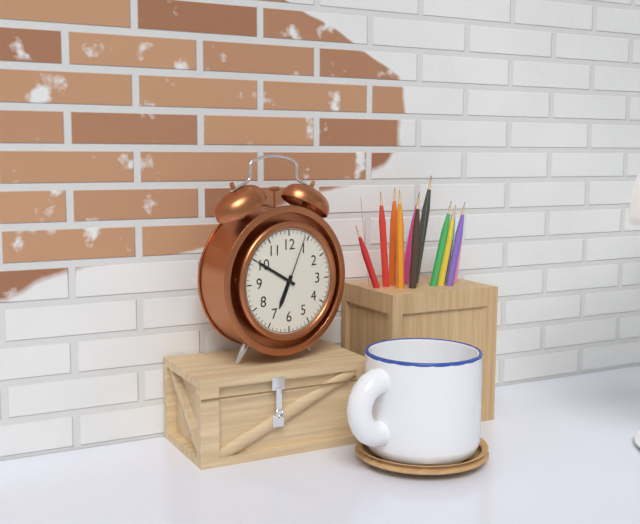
6:50:04
